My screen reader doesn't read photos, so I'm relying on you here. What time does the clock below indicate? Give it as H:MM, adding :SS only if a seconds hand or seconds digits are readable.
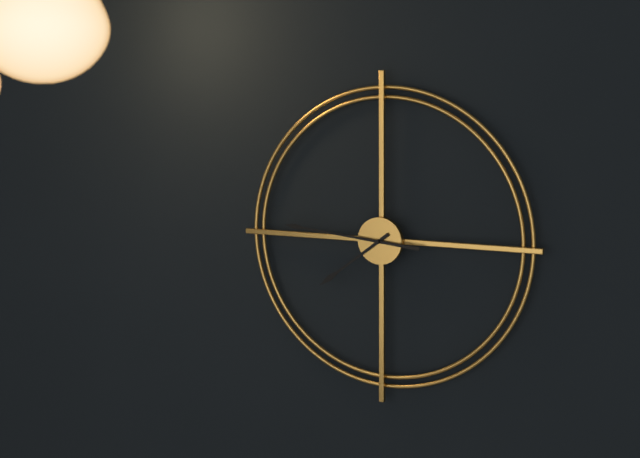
7:46
